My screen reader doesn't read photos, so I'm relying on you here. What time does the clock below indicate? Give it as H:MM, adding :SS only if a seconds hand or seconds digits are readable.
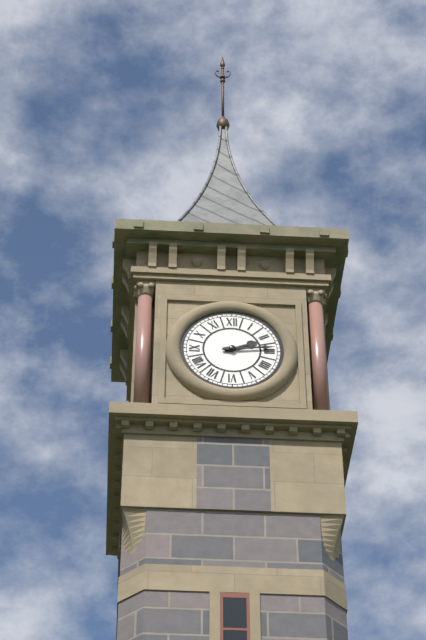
2:14
